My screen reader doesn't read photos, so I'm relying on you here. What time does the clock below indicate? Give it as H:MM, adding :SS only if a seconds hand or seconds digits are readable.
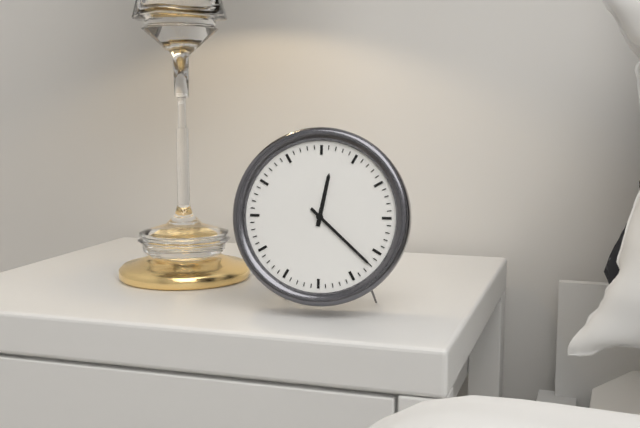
12:22
